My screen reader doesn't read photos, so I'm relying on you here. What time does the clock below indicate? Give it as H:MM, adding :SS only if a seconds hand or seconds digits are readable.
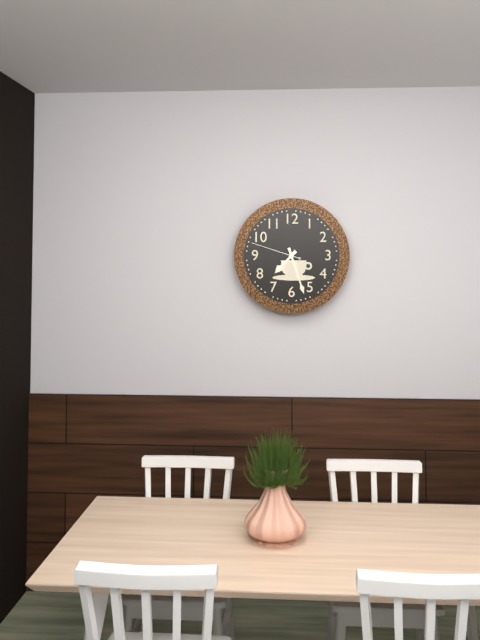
7:27:48
